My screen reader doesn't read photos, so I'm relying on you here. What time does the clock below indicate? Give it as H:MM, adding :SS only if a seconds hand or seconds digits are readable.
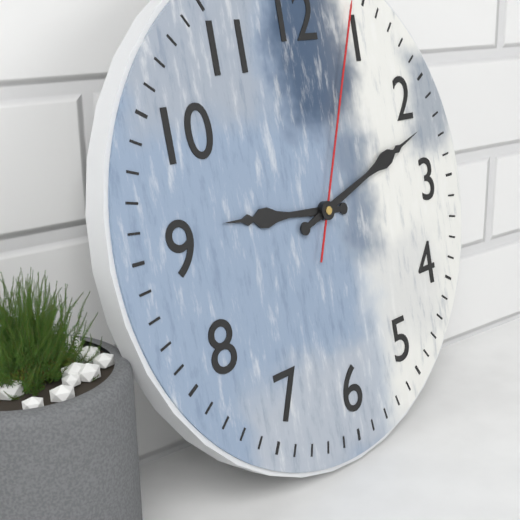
9:12
